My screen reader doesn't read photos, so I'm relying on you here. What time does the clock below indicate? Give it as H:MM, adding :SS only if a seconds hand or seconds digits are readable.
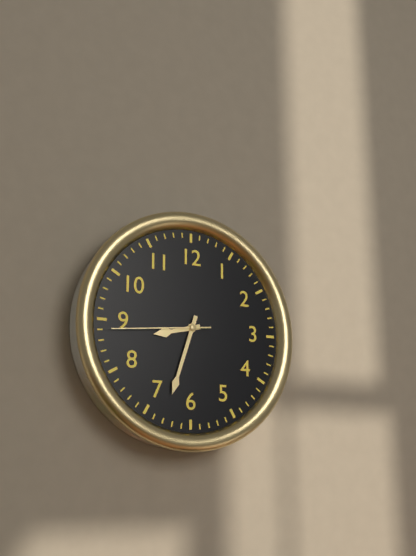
8:33:44
